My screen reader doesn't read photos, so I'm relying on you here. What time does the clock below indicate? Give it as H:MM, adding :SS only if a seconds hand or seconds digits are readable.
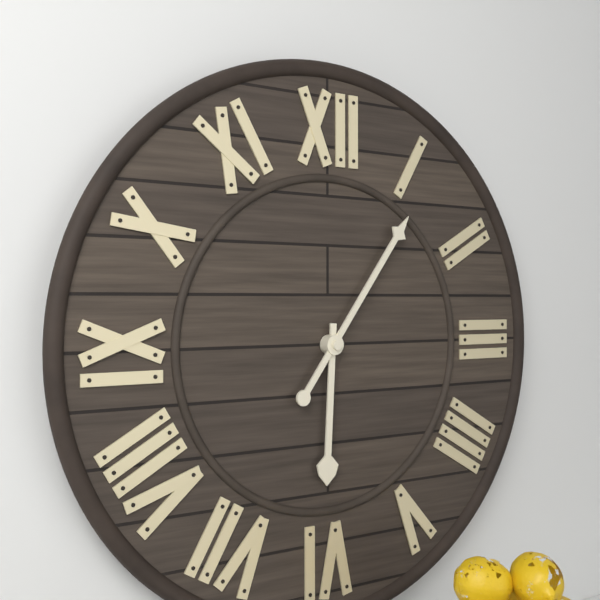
6:06
